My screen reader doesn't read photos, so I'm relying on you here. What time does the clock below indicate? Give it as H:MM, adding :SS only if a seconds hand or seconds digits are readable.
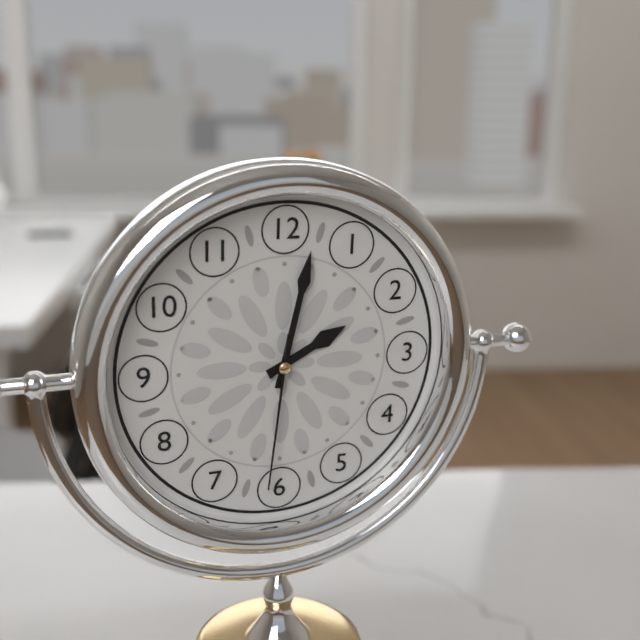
2:02:31
